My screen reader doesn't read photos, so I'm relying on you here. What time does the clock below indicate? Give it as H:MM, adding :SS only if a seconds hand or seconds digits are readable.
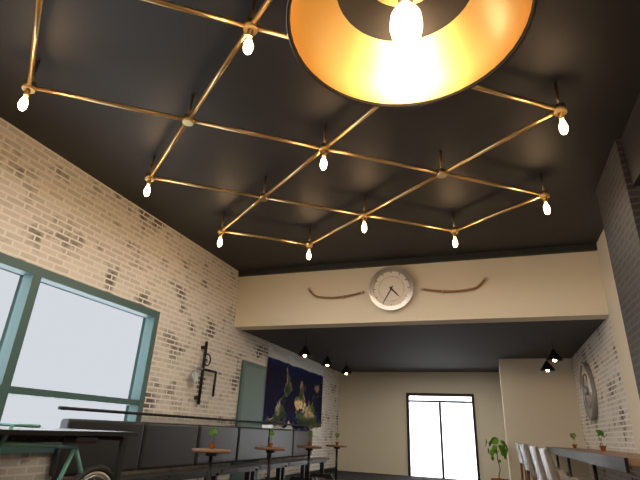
4:35
